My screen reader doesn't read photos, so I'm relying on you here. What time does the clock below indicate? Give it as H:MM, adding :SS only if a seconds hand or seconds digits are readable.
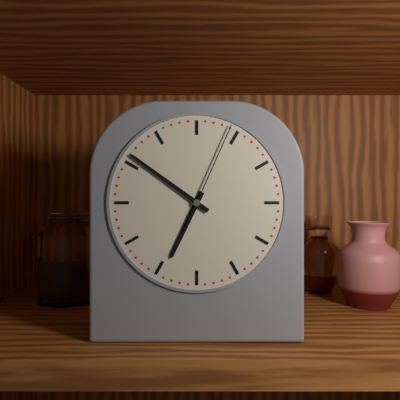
6:51:04
